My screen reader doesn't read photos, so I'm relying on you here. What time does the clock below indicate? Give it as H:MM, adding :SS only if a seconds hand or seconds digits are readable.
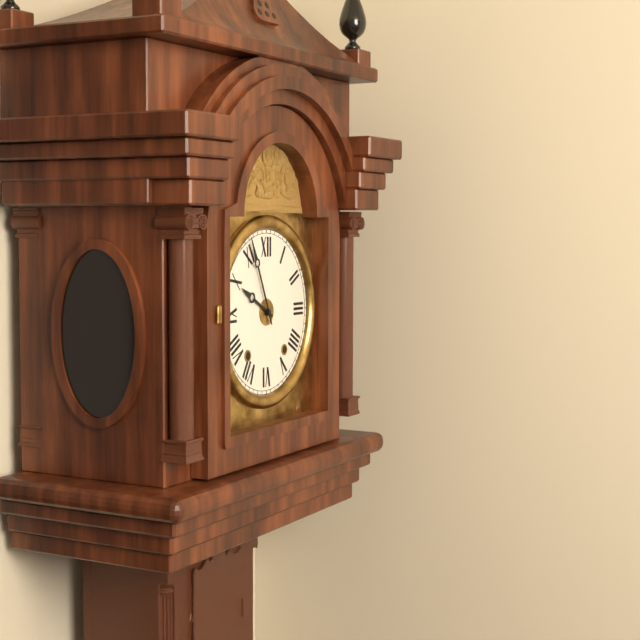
9:56
